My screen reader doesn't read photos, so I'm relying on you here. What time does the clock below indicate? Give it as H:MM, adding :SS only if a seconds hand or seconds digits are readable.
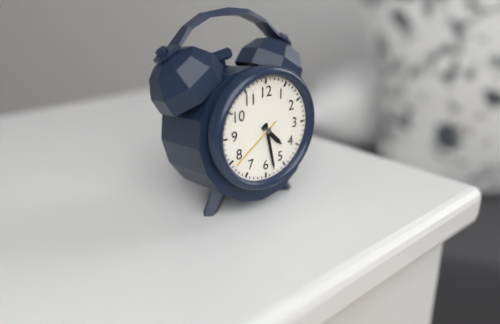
4:28:39
